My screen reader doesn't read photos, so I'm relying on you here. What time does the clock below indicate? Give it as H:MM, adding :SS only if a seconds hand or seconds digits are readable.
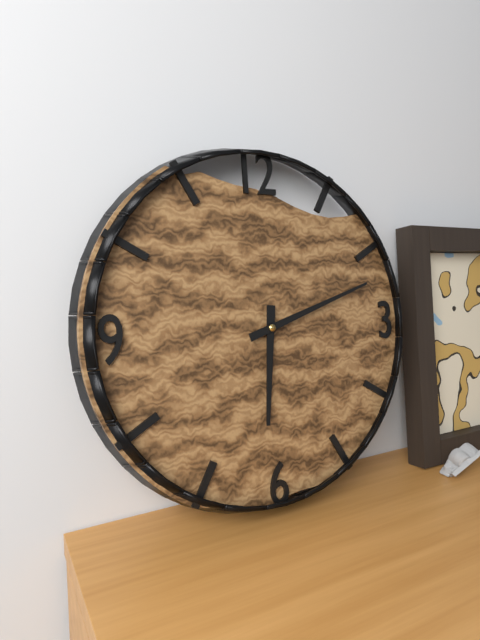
6:12
